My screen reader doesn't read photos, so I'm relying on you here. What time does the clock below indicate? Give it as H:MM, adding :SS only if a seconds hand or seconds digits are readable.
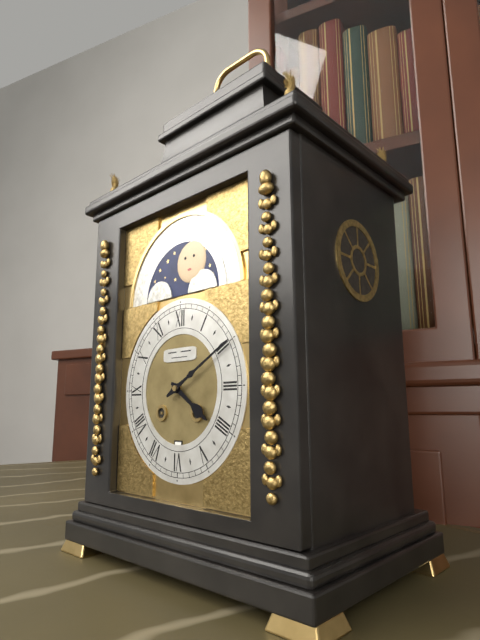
4:10
